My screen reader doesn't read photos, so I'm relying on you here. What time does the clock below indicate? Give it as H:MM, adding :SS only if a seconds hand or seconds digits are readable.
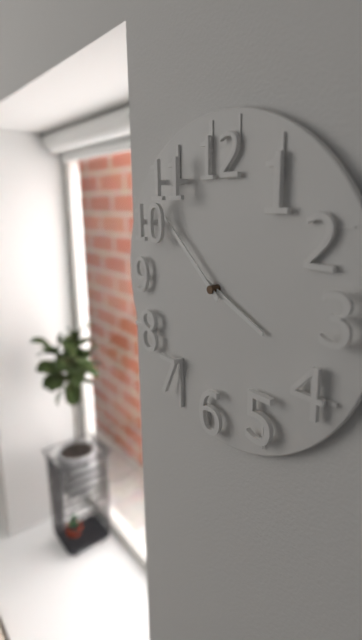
3:52
